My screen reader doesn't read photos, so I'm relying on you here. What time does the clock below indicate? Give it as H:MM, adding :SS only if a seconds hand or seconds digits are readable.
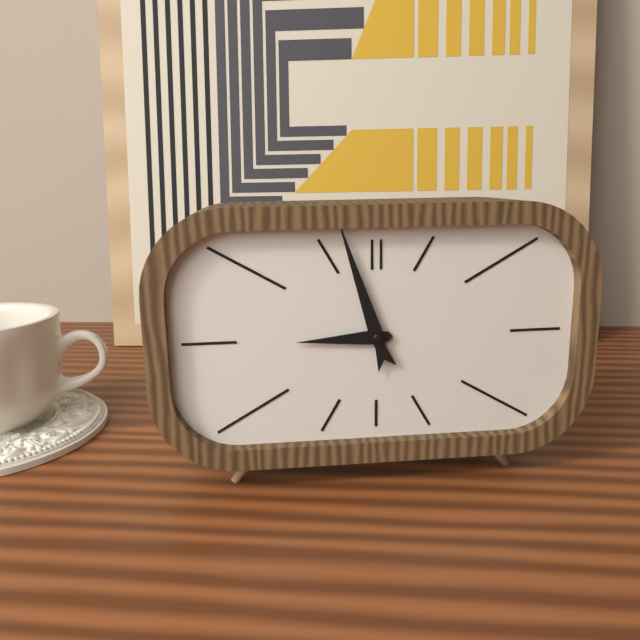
8:57
